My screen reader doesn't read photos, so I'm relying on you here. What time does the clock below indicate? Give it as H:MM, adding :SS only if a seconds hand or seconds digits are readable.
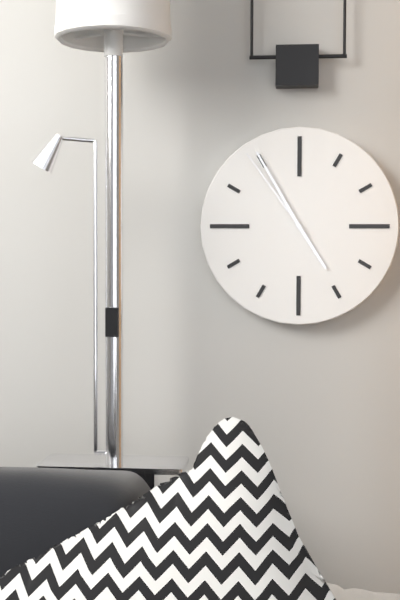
4:55:54
